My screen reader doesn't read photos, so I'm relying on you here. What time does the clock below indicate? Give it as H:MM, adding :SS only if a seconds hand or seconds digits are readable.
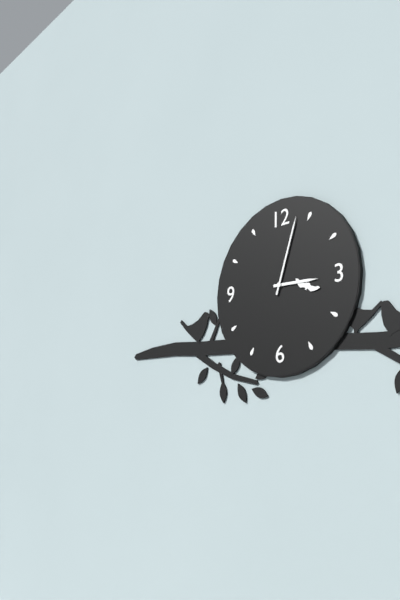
3:03
